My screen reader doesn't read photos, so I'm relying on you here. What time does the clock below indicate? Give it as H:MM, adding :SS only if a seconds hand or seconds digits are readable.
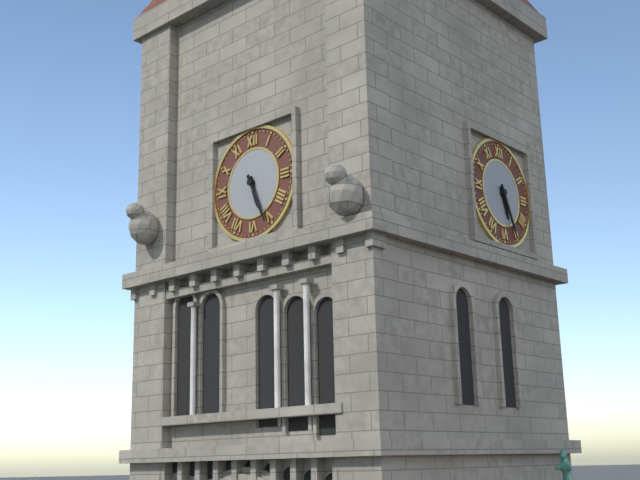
5:26
